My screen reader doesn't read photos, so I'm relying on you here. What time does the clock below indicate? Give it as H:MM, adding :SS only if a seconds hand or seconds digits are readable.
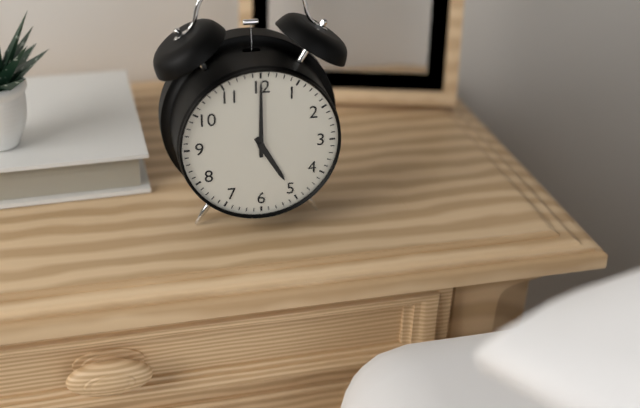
5:00
